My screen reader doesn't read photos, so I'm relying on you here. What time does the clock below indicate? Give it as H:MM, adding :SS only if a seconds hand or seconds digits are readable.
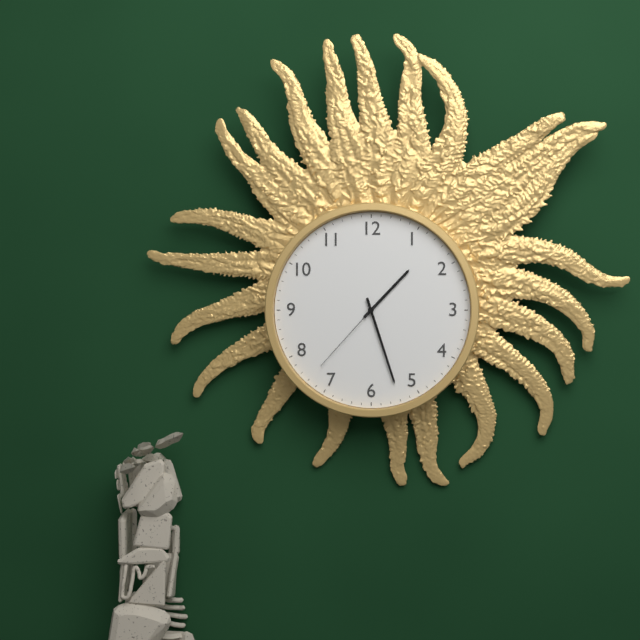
1:27:37
